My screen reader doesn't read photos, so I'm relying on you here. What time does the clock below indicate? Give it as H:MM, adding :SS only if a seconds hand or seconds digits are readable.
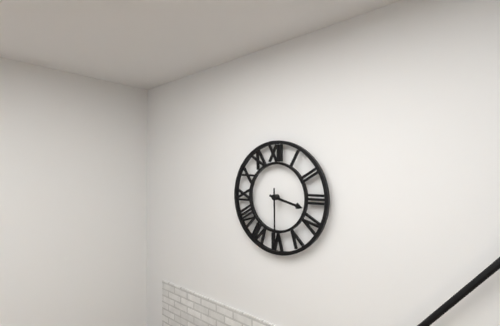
3:30
